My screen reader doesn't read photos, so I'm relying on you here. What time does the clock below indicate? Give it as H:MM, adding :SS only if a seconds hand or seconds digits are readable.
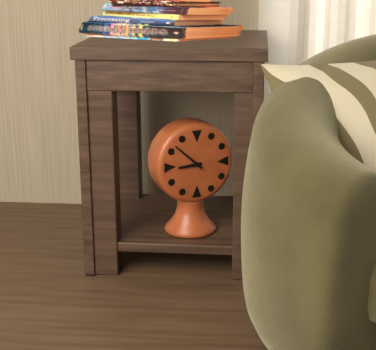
8:52
